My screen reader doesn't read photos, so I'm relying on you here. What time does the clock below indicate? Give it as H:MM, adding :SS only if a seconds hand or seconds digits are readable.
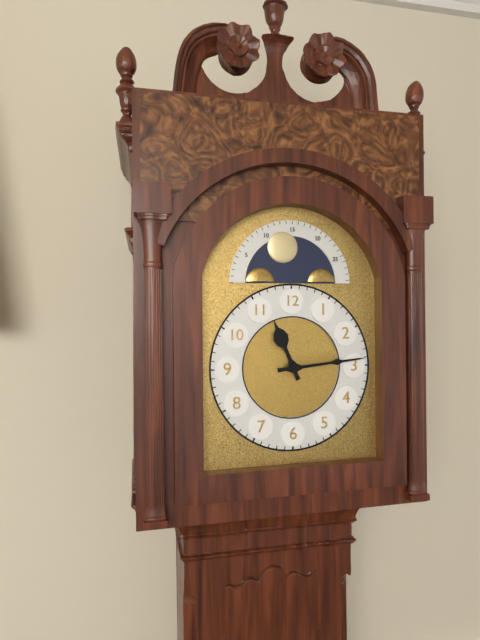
11:14
